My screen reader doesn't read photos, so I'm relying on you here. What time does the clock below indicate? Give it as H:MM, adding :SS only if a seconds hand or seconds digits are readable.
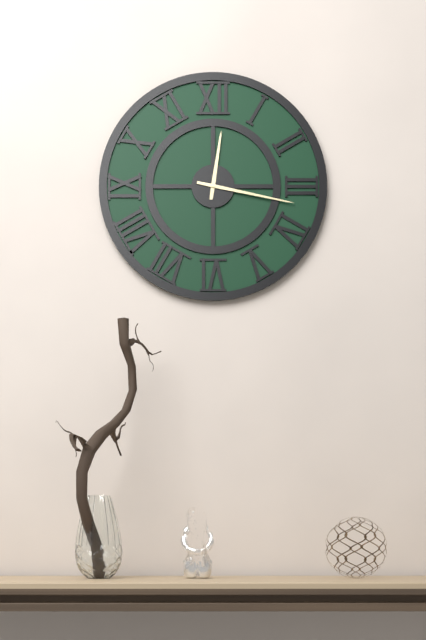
12:17
